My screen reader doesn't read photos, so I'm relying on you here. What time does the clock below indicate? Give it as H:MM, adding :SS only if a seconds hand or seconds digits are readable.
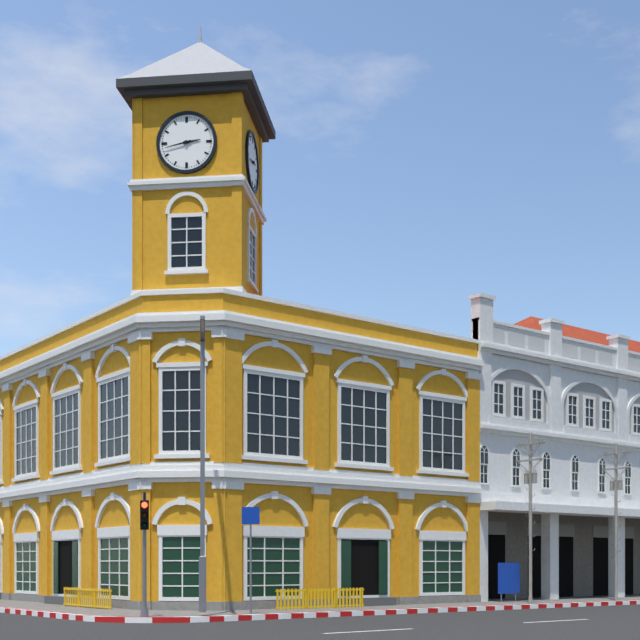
2:43
